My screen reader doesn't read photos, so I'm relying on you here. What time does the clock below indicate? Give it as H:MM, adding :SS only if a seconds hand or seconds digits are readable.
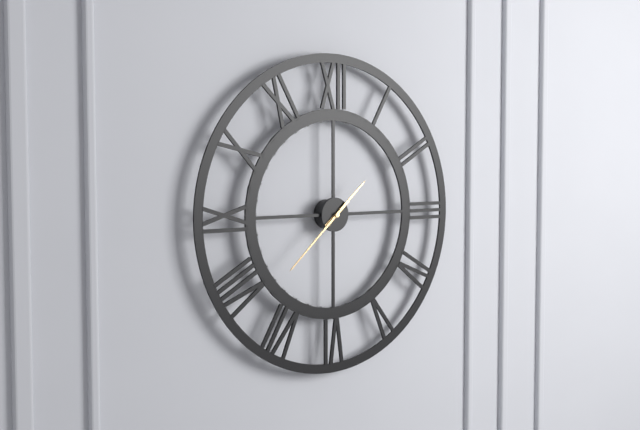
1:38
